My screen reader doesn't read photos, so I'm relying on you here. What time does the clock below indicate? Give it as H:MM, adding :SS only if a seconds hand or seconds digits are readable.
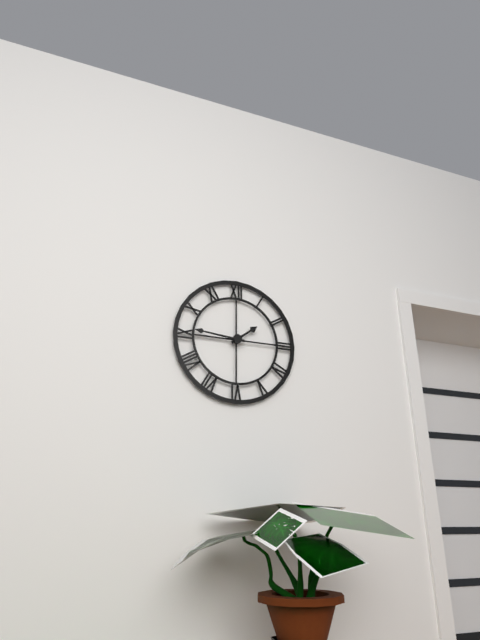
1:46
